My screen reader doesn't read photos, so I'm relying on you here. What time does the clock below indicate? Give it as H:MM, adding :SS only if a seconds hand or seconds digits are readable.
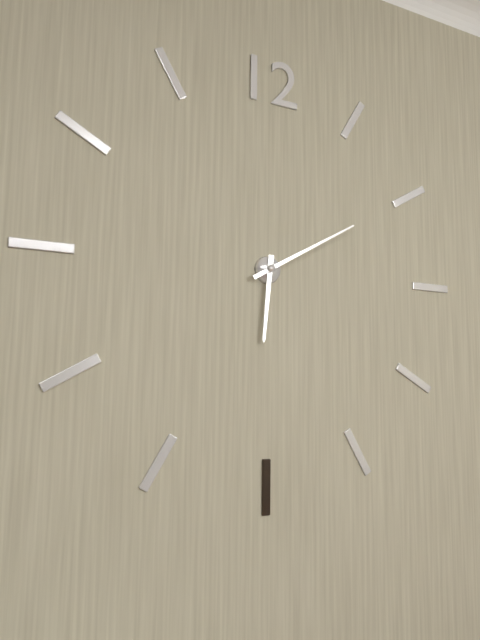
6:10
